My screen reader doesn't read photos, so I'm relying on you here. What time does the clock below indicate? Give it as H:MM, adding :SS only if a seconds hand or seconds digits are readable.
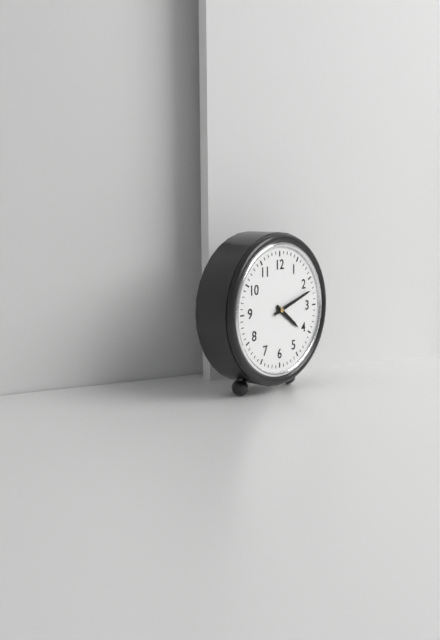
4:12
